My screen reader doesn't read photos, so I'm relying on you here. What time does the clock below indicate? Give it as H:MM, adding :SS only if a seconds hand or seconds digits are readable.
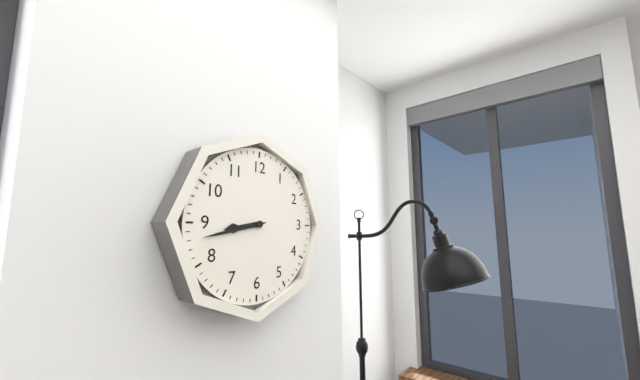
8:43
